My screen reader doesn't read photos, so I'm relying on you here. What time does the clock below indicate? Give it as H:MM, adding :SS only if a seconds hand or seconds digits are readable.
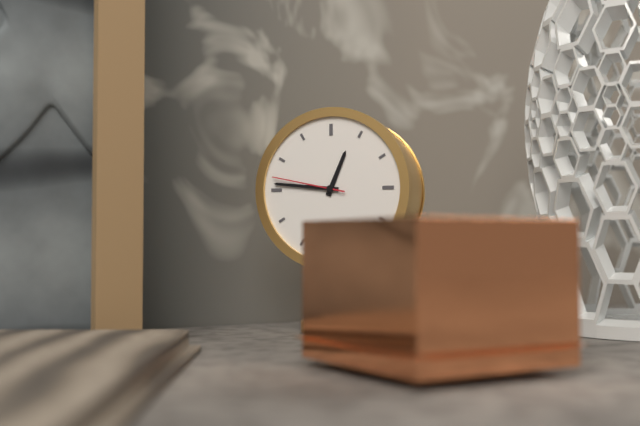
12:46:47
